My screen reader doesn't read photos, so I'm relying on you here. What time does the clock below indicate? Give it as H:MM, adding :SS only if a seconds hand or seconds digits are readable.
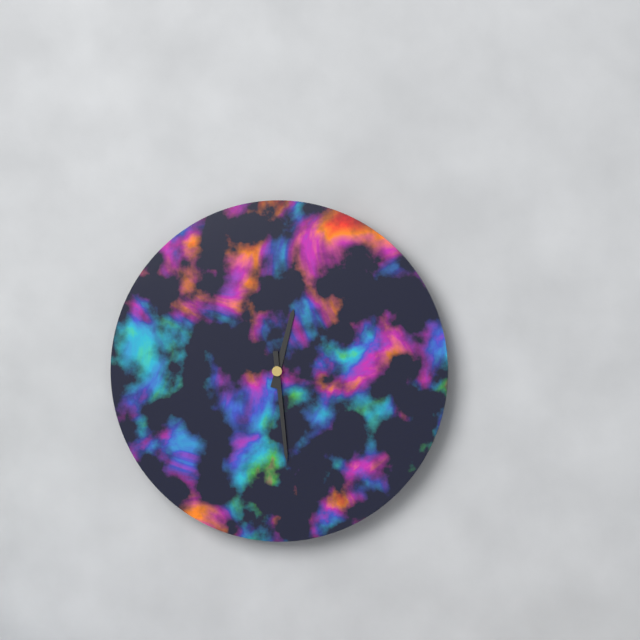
12:29
